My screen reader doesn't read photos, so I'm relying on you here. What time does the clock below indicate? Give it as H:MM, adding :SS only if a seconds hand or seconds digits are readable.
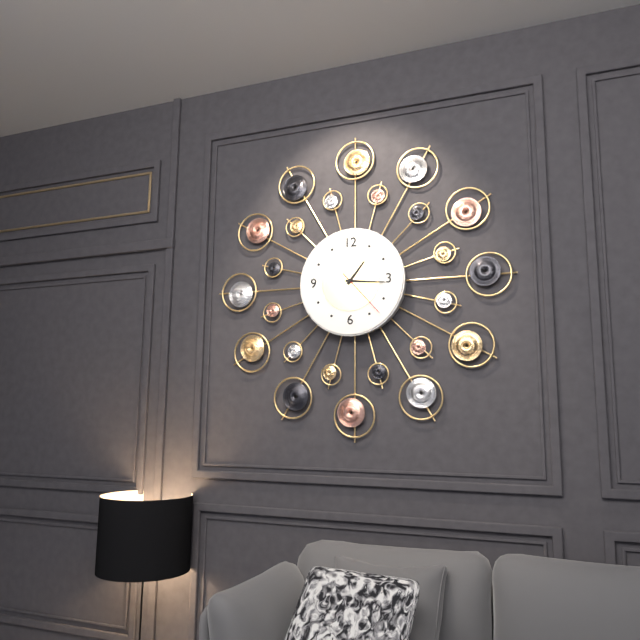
1:16:23
